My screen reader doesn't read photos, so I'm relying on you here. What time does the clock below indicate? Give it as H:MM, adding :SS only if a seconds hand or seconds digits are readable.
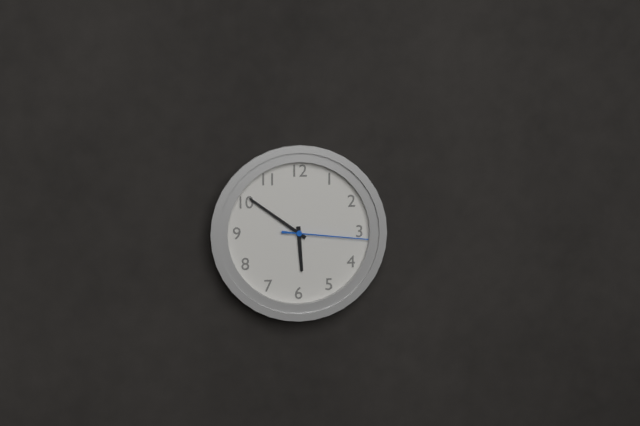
5:51:16
